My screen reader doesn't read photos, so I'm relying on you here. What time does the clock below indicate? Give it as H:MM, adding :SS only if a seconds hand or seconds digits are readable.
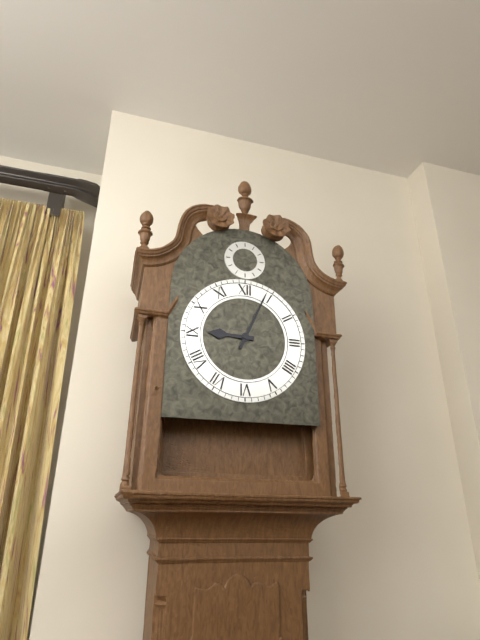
9:04
